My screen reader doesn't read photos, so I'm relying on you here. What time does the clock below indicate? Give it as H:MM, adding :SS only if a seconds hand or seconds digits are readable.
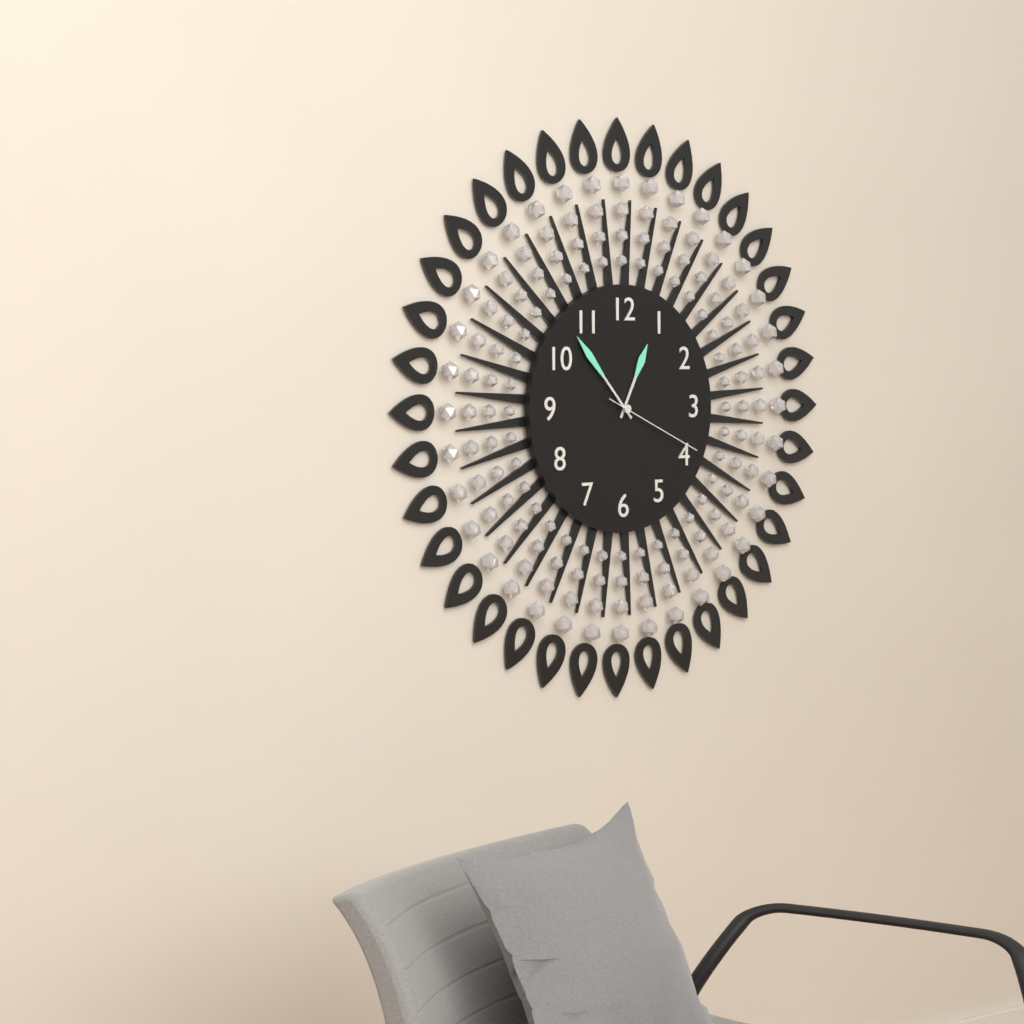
12:53:19
